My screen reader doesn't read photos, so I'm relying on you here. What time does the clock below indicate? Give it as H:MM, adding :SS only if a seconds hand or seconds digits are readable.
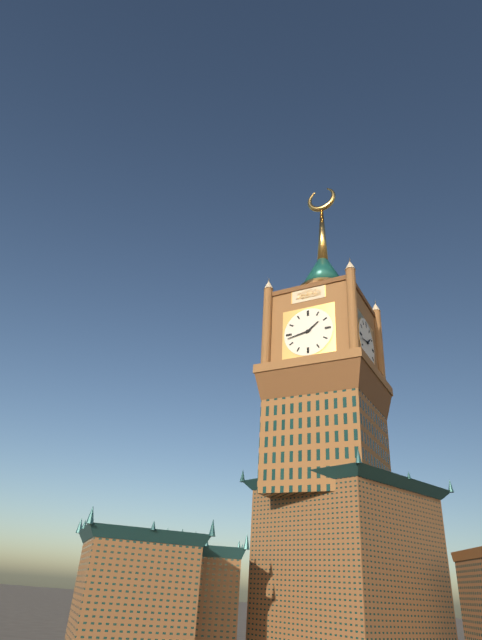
1:43
